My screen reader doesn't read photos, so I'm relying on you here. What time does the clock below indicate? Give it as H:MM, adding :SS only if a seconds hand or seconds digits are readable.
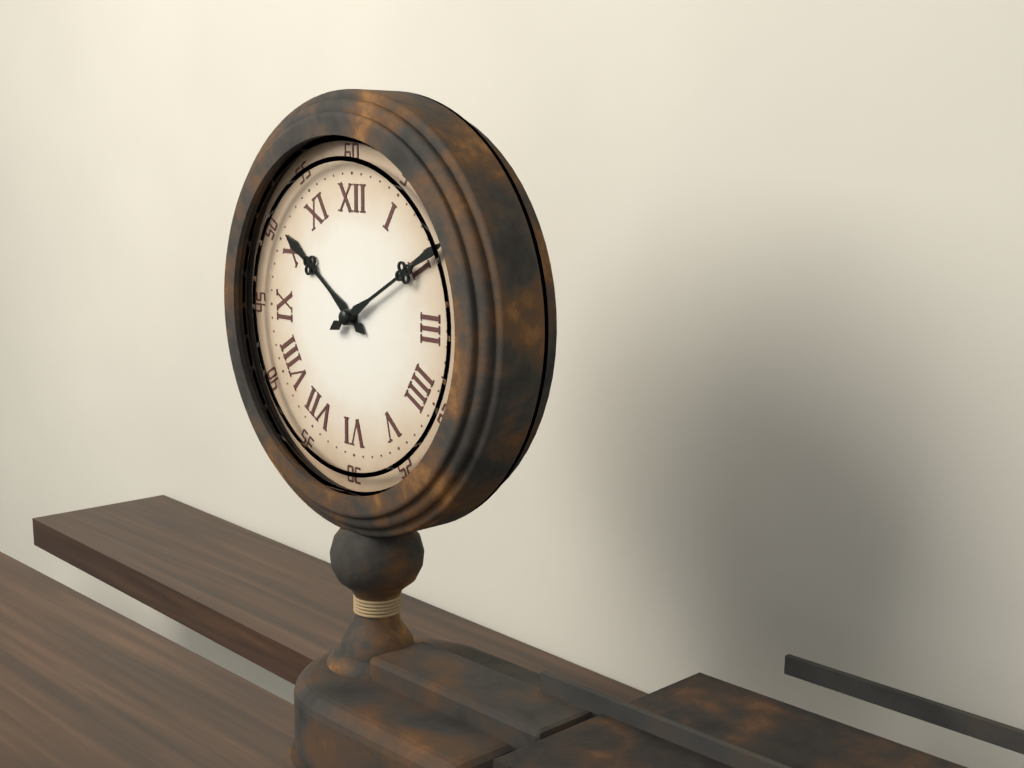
10:10
